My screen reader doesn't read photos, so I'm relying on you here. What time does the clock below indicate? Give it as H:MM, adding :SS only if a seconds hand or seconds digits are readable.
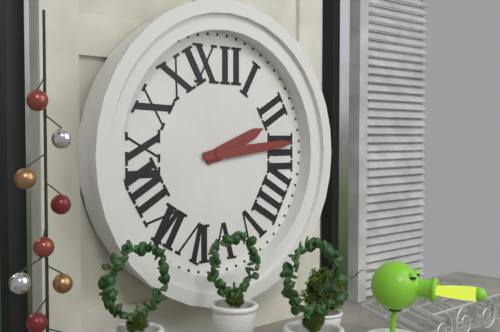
2:14
